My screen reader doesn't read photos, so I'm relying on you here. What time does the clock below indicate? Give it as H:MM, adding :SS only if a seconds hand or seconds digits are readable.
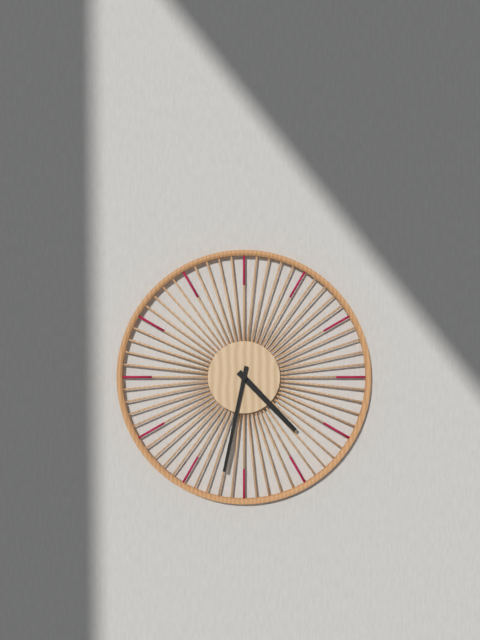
4:32
